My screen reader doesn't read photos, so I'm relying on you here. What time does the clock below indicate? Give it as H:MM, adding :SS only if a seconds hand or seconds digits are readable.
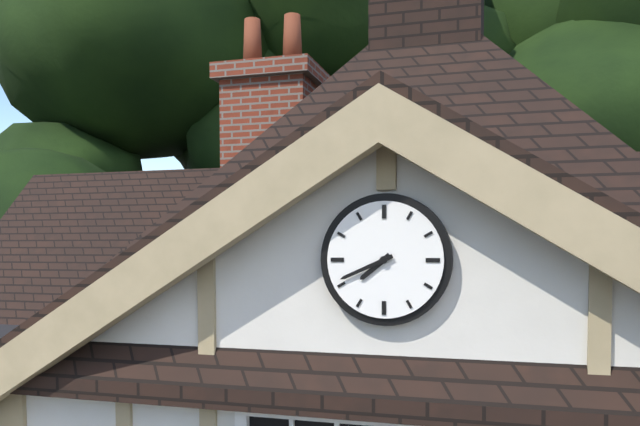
7:41
